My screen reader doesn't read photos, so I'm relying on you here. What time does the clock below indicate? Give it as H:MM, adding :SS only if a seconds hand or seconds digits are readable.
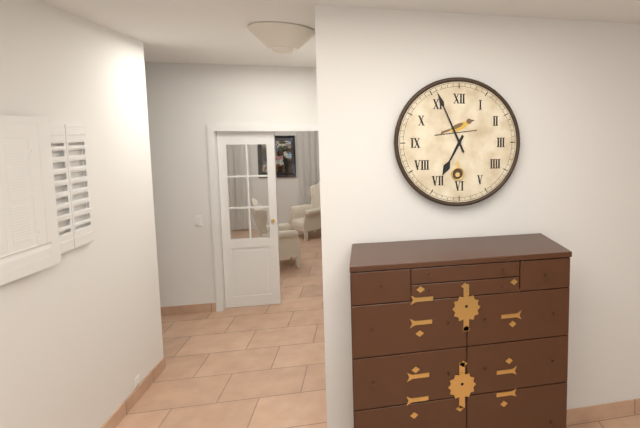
6:56
